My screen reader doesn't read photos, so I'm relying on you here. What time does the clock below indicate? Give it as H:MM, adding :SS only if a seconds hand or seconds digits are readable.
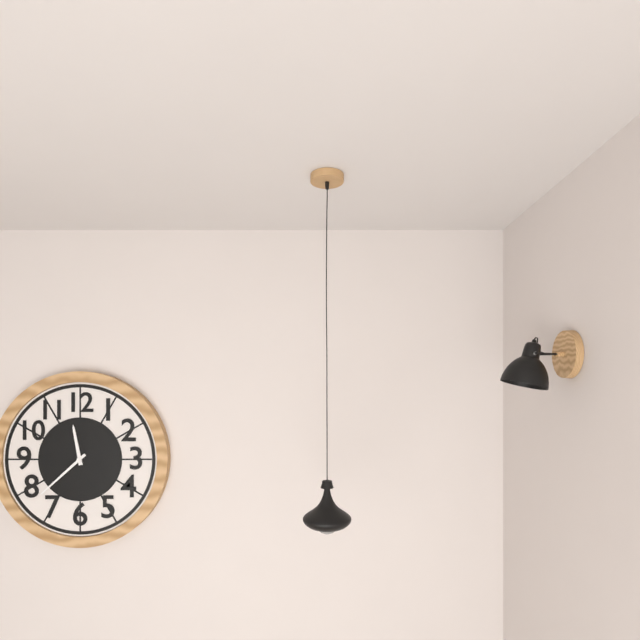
11:38
